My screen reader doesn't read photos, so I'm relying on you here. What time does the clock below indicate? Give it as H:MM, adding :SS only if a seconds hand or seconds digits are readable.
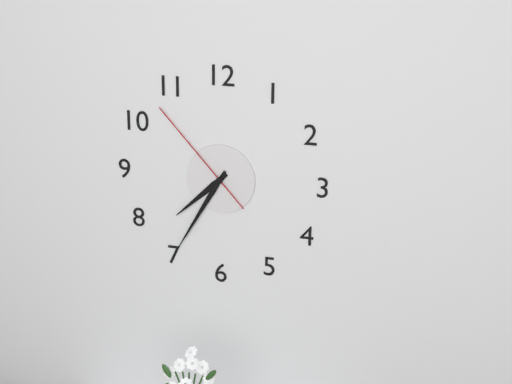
7:35:53
